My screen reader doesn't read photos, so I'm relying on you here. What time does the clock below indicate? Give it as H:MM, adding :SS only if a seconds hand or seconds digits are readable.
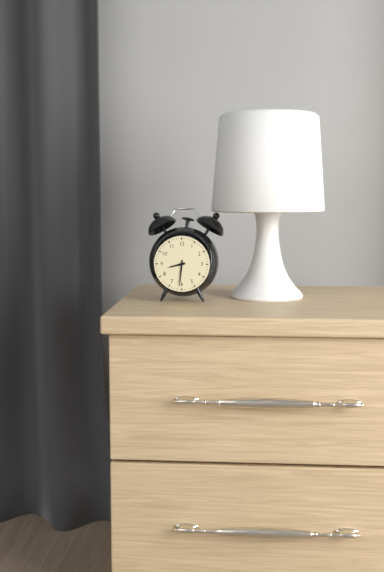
8:31
